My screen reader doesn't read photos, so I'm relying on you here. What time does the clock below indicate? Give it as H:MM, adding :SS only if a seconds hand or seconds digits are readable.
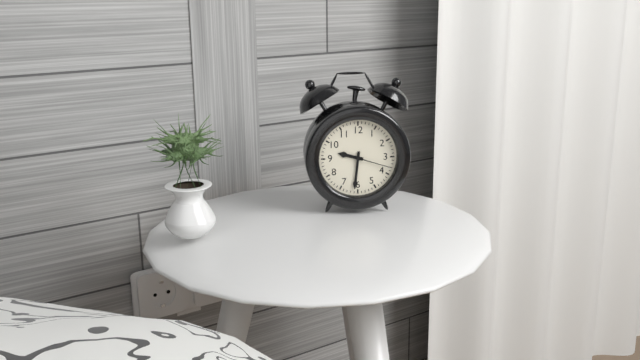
9:31
